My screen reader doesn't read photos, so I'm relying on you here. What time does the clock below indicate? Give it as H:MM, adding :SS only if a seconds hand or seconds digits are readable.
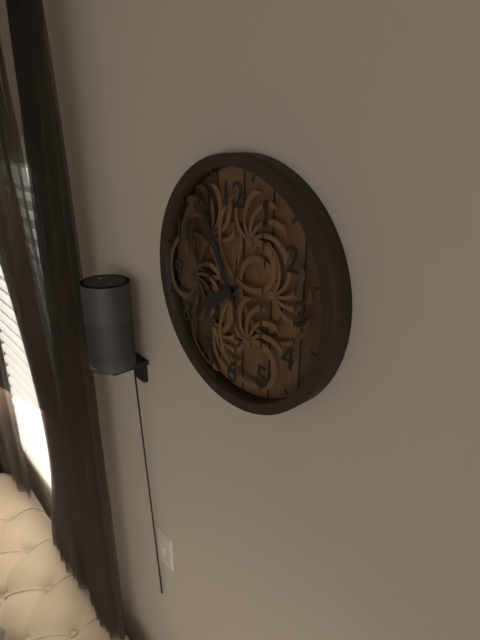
7:55
